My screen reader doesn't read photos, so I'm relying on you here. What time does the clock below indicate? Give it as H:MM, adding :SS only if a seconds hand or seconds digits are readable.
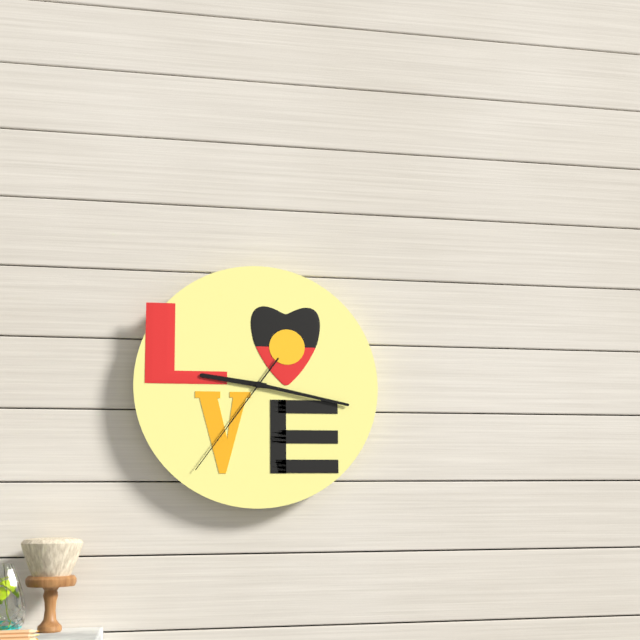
9:17:36
